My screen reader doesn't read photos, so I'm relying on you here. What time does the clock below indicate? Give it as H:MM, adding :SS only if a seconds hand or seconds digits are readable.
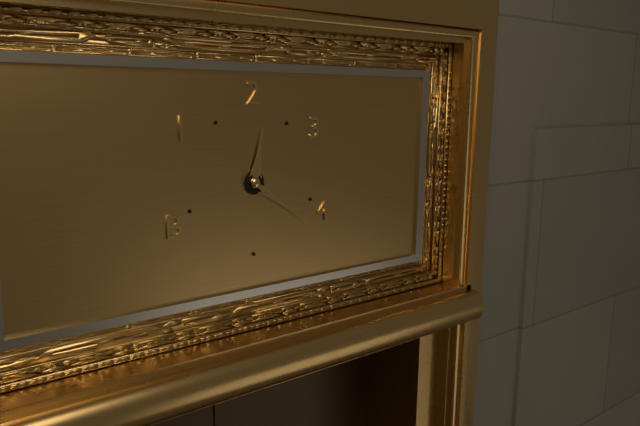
12:21
